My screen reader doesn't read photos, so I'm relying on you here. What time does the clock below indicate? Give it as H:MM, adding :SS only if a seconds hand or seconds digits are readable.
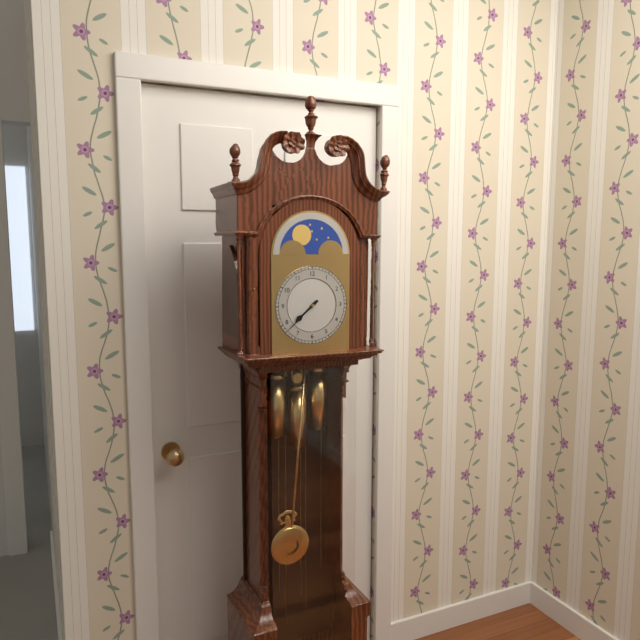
7:38
